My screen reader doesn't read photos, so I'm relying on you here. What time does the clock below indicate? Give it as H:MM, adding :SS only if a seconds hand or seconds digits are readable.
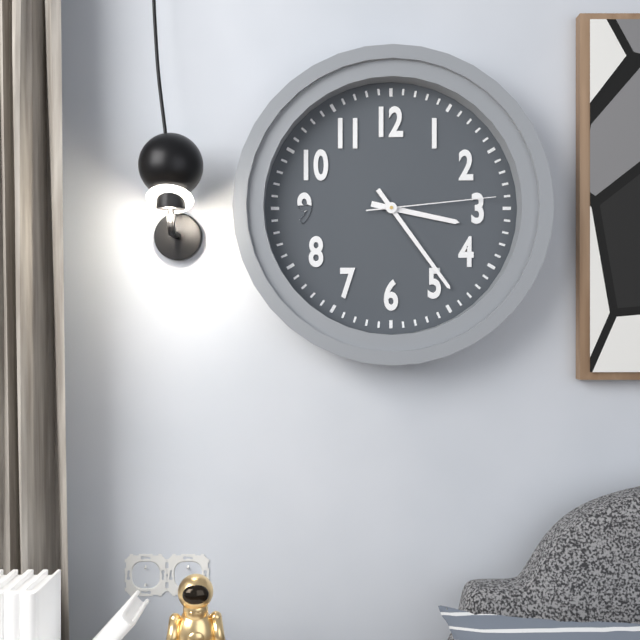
3:24:14
